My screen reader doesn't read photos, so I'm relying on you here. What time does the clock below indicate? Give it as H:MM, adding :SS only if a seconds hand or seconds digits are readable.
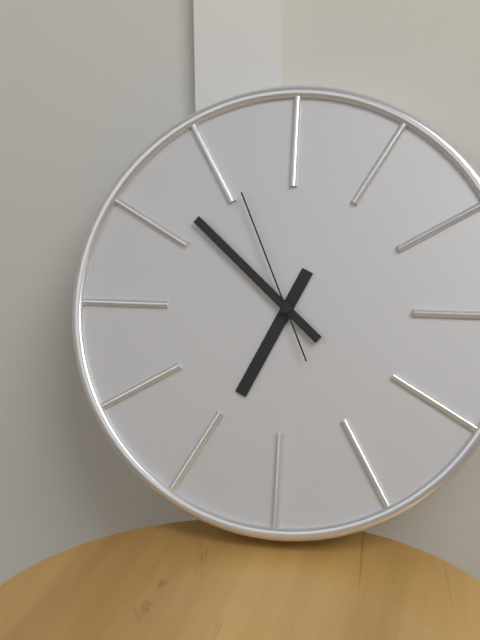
6:52:56
